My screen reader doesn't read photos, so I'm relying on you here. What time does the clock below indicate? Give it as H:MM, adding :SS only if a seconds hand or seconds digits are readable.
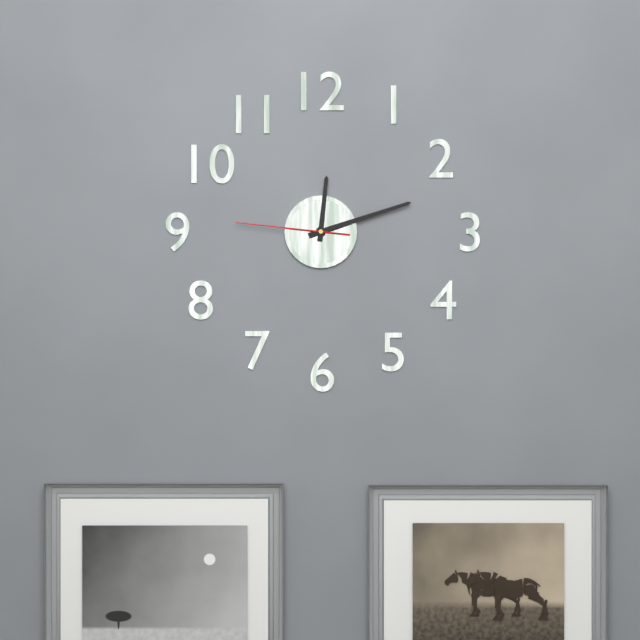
12:12:46
